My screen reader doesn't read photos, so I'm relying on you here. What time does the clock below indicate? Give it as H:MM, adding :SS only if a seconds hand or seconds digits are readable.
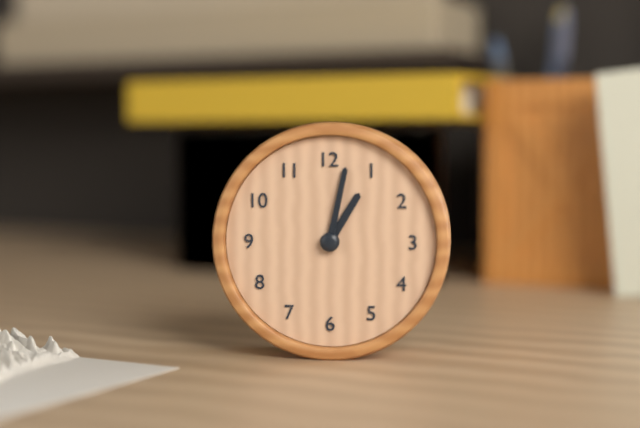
1:02
